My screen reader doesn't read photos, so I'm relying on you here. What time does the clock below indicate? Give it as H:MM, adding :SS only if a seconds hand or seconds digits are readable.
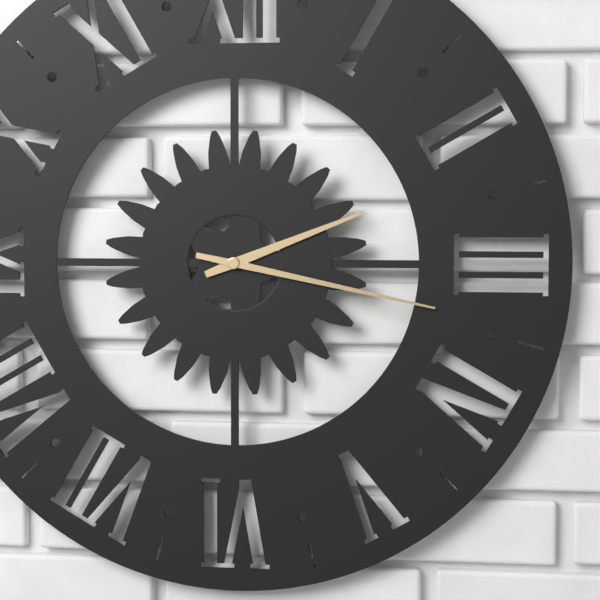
2:17
